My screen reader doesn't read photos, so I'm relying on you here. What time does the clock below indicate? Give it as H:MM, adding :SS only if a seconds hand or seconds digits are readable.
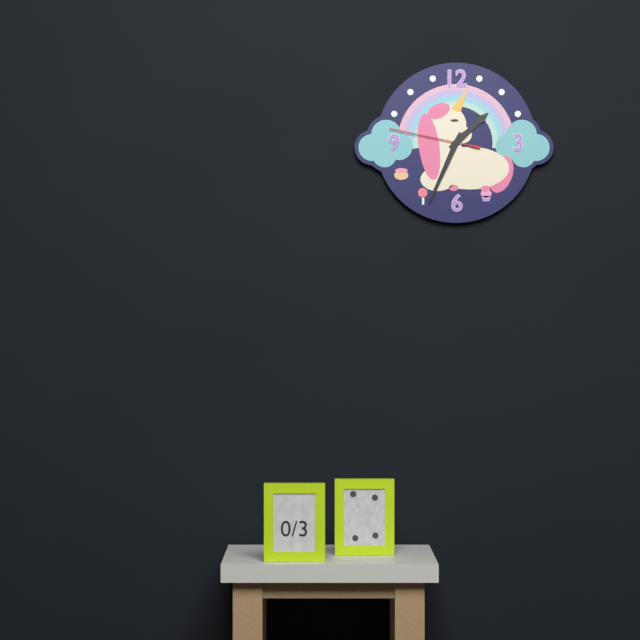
1:34:47
